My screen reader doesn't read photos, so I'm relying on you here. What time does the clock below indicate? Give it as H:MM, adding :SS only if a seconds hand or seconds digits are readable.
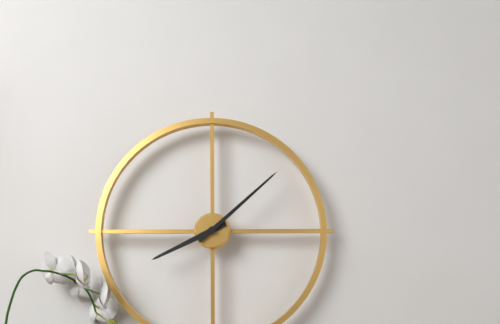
8:08
